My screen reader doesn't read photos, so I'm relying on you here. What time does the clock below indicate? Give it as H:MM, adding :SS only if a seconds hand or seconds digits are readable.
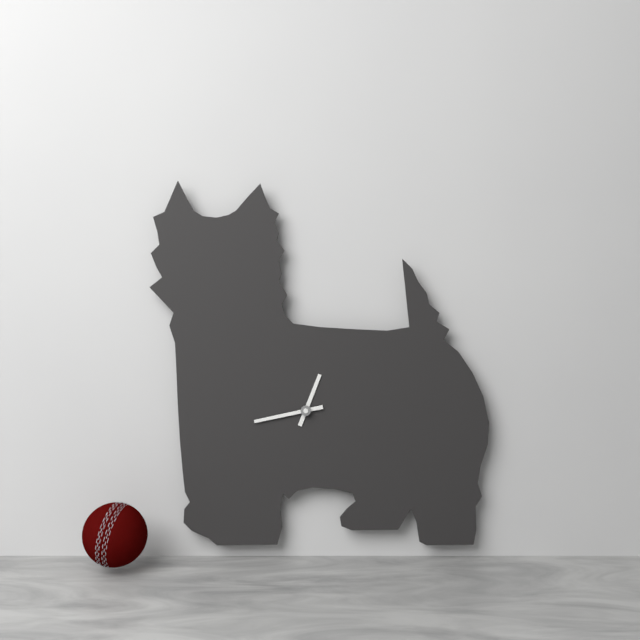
12:43
